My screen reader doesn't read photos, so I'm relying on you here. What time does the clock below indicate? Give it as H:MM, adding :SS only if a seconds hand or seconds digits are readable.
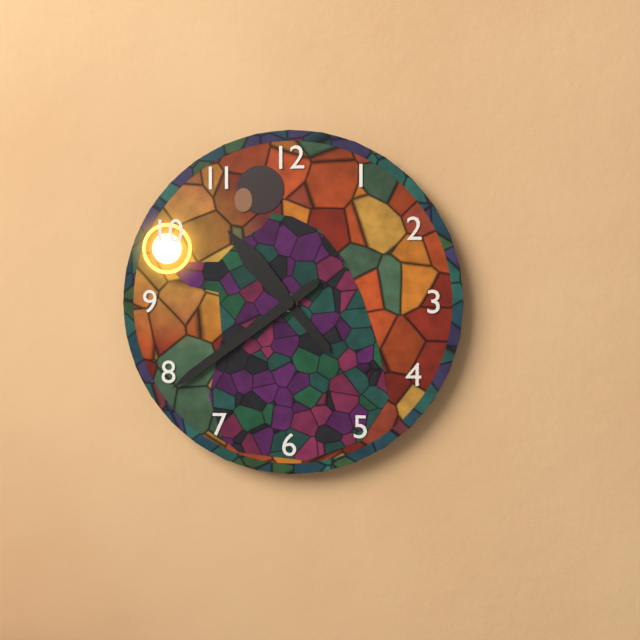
10:39
